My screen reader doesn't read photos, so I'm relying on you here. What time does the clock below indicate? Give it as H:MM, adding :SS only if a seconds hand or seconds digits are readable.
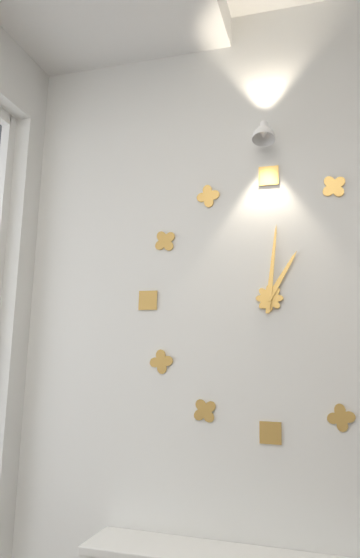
1:01
